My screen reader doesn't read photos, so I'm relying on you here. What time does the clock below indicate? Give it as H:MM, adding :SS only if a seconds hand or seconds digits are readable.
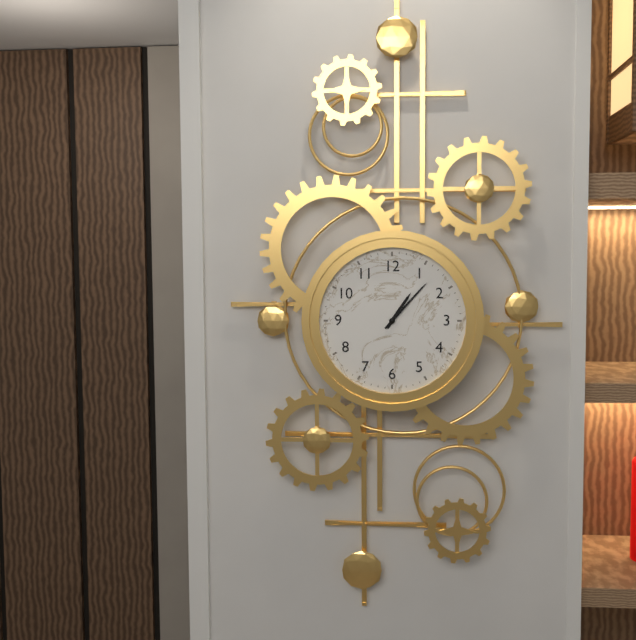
1:07
